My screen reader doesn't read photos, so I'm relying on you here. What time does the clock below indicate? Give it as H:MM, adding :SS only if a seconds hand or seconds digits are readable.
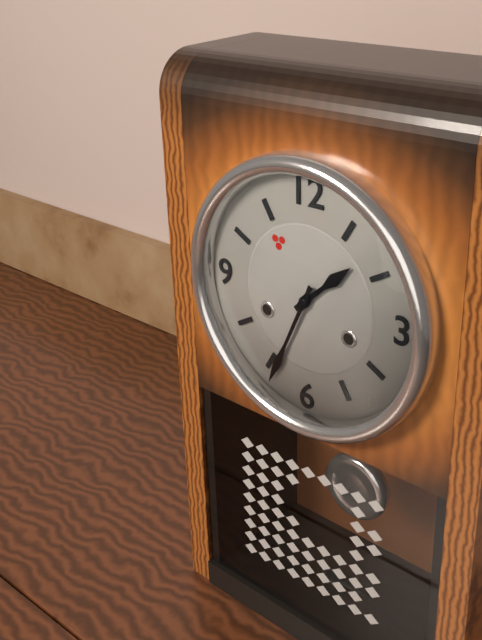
1:34
